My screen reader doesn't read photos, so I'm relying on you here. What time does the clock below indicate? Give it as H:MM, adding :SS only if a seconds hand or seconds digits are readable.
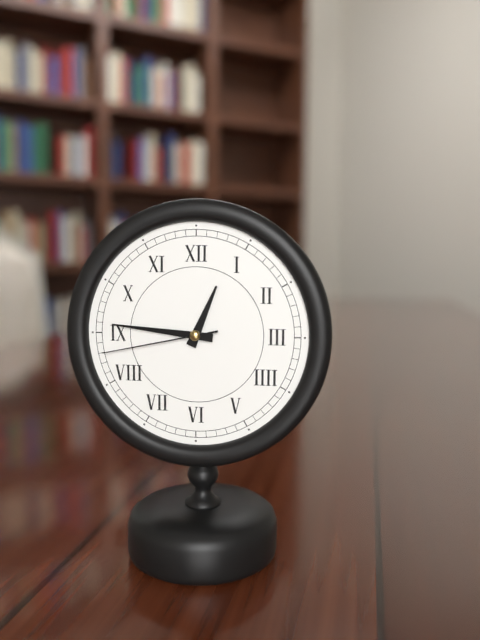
12:46:43
